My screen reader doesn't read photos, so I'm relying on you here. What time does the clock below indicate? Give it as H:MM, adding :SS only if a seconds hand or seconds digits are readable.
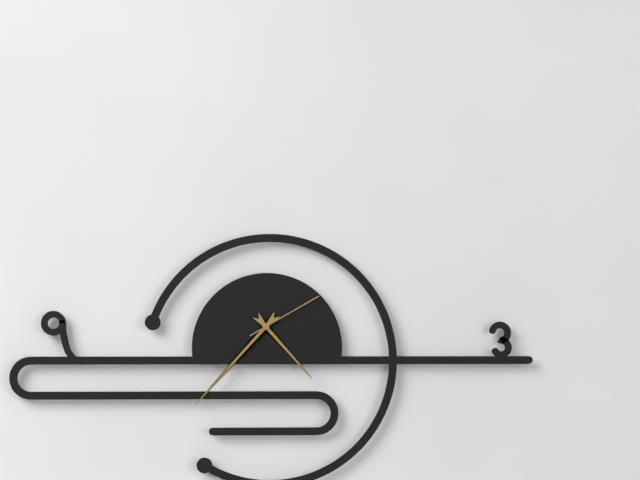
4:37:10
